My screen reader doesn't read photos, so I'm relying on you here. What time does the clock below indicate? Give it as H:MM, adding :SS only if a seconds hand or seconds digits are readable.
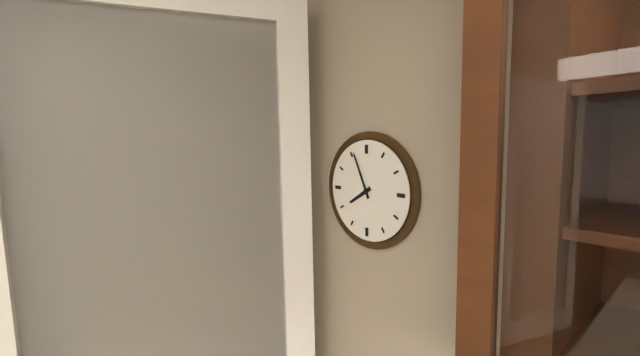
7:56
